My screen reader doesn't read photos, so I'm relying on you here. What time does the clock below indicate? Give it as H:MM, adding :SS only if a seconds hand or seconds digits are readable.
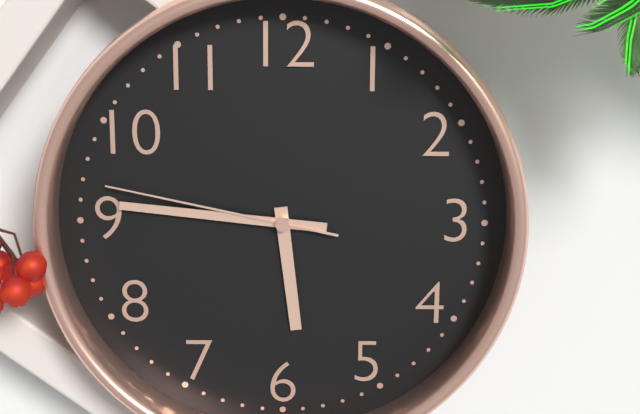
5:46:47
